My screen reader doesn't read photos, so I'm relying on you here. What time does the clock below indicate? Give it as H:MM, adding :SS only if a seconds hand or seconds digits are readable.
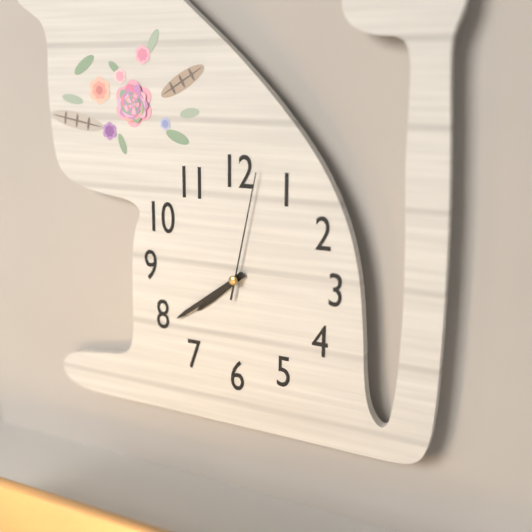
7:39:02
